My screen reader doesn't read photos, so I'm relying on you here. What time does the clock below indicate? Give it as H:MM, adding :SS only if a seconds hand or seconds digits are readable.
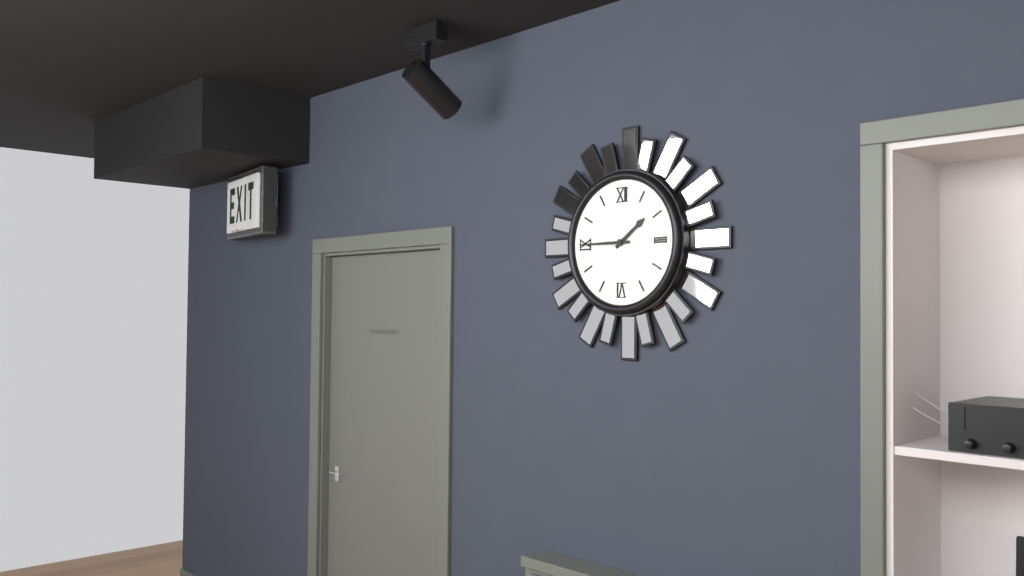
1:45
